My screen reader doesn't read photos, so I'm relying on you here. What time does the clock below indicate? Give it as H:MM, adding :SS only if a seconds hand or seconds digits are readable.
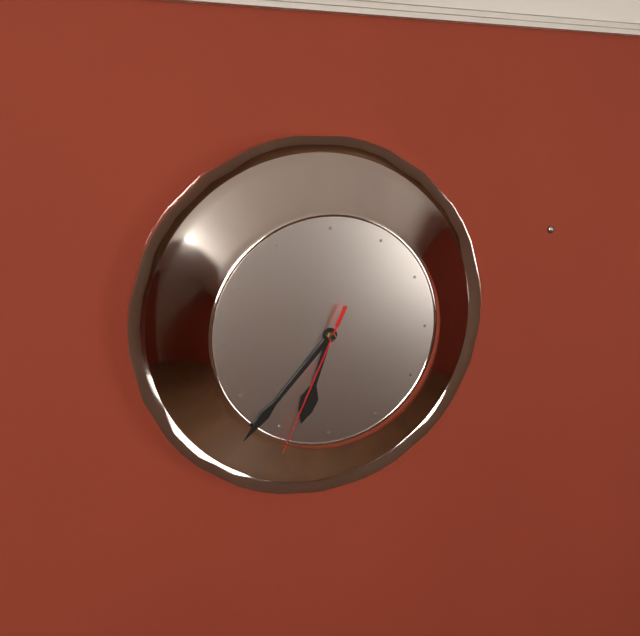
6:37:34
